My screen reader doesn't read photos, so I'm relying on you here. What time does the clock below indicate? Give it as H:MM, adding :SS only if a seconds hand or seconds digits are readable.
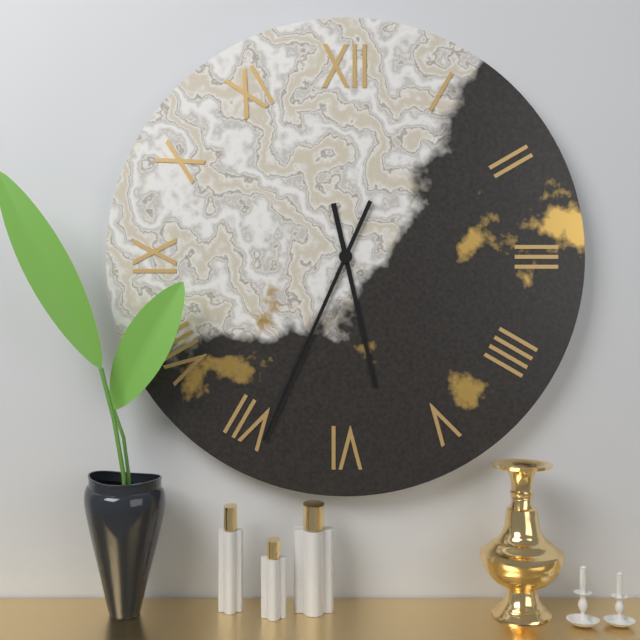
5:34
